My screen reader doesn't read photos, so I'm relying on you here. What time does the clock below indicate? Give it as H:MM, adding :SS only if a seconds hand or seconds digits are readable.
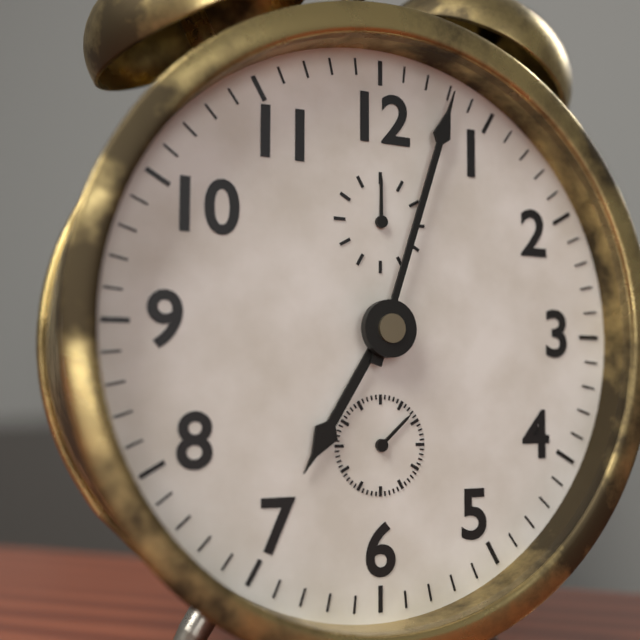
7:03
